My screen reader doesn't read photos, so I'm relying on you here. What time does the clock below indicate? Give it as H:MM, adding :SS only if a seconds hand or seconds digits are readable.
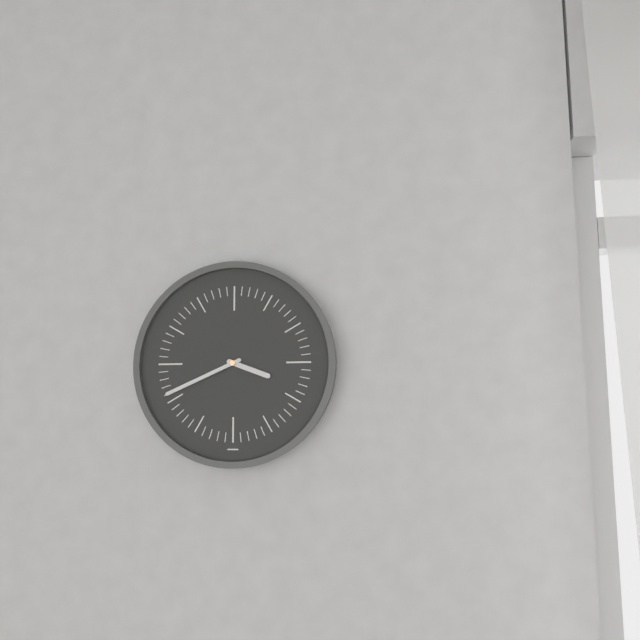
3:41
